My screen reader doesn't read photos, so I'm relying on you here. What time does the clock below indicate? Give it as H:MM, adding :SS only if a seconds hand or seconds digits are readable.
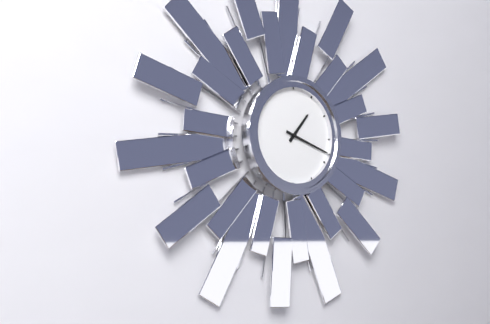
1:18
